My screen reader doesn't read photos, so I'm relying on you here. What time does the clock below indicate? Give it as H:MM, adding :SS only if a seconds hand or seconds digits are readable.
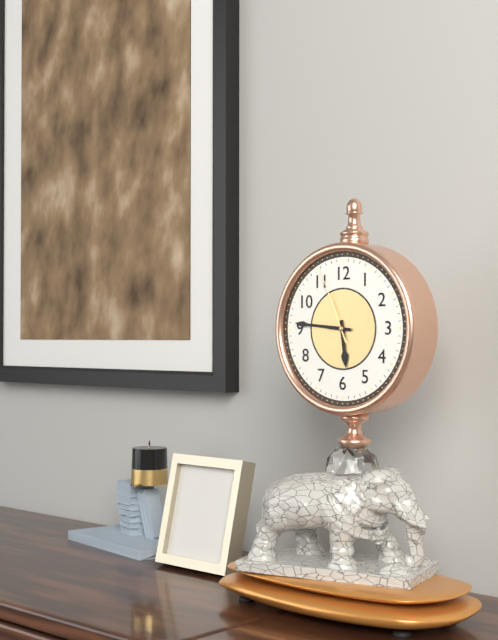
5:46:56
